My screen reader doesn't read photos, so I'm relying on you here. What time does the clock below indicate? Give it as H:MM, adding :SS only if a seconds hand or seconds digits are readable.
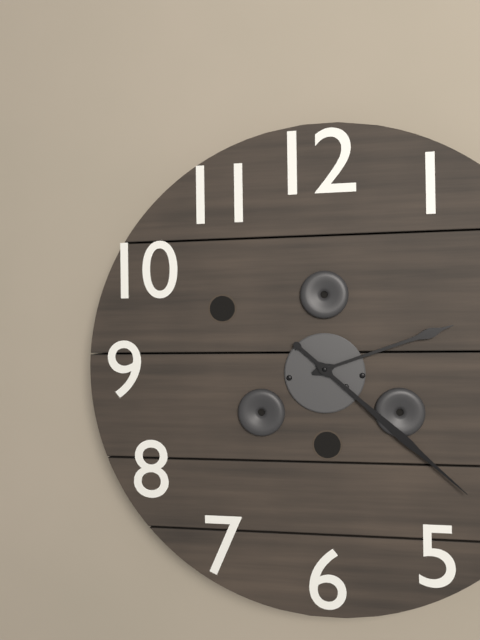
2:22
